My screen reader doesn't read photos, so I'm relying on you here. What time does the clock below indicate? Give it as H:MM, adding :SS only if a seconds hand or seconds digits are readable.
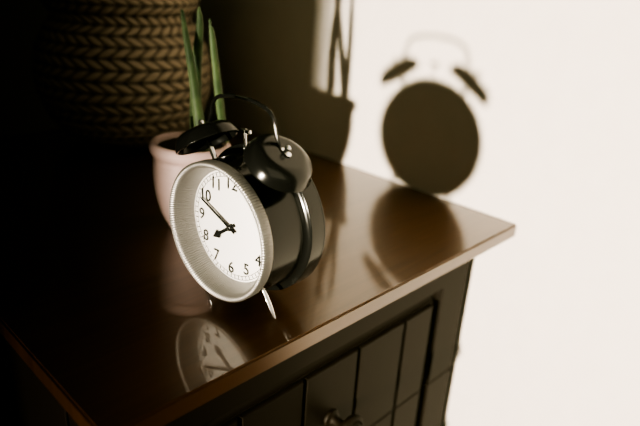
7:49
